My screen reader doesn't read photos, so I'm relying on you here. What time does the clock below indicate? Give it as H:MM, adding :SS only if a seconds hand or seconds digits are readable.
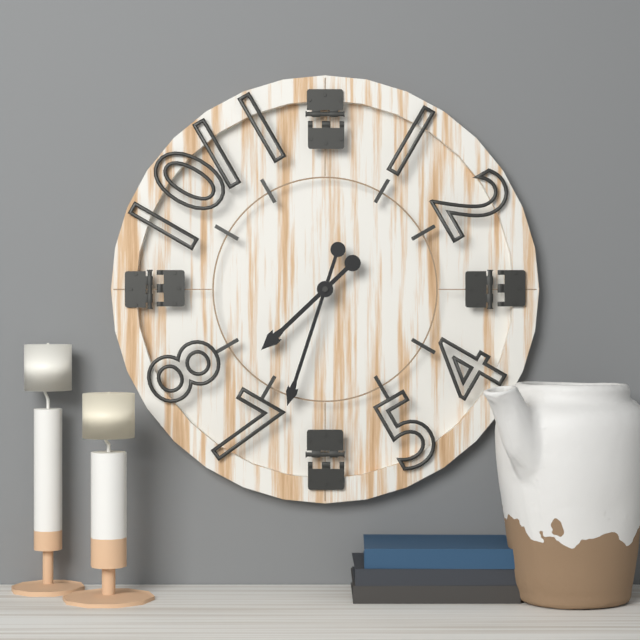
7:33
